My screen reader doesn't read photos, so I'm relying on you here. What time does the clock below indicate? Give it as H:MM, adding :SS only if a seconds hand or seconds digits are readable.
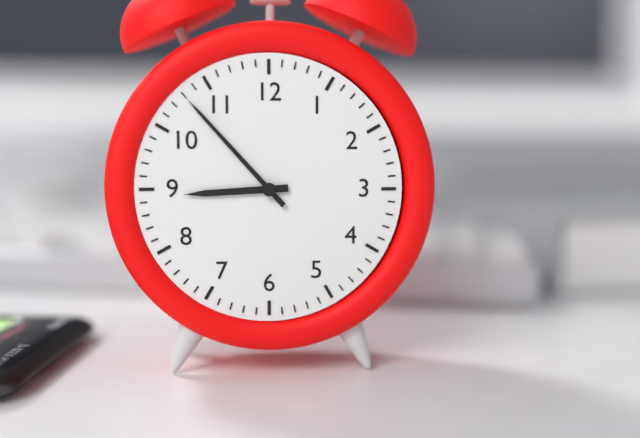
8:53
